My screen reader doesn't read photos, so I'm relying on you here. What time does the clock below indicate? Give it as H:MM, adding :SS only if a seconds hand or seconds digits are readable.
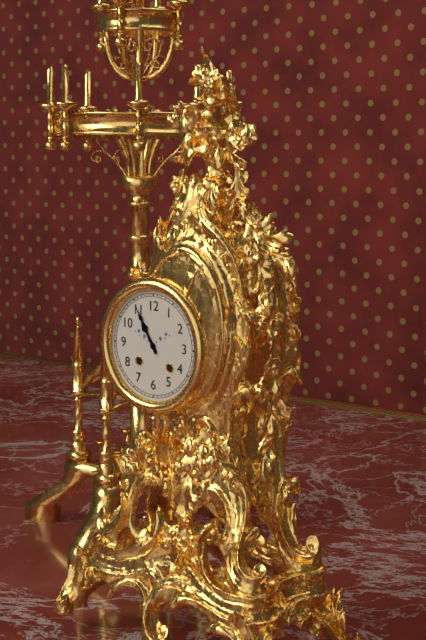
10:55
